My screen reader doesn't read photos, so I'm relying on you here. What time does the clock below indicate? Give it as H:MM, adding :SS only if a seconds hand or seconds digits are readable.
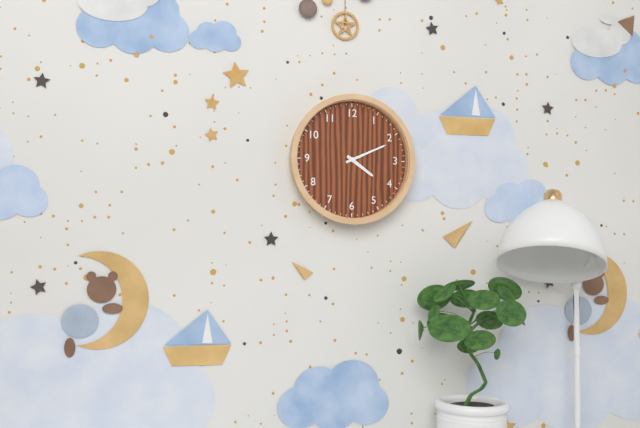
4:11
